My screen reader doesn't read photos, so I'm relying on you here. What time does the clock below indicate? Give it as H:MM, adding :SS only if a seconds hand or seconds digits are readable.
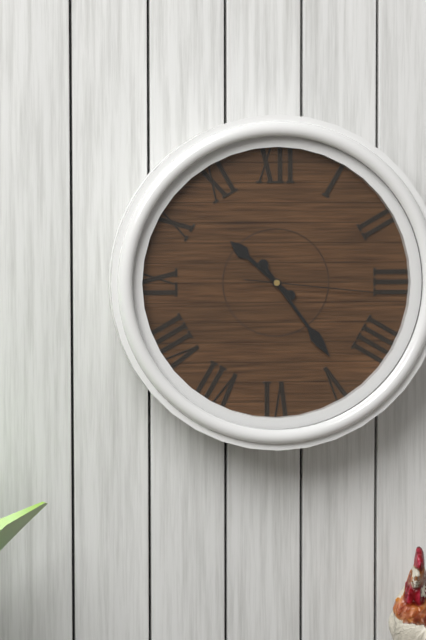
10:24:16
